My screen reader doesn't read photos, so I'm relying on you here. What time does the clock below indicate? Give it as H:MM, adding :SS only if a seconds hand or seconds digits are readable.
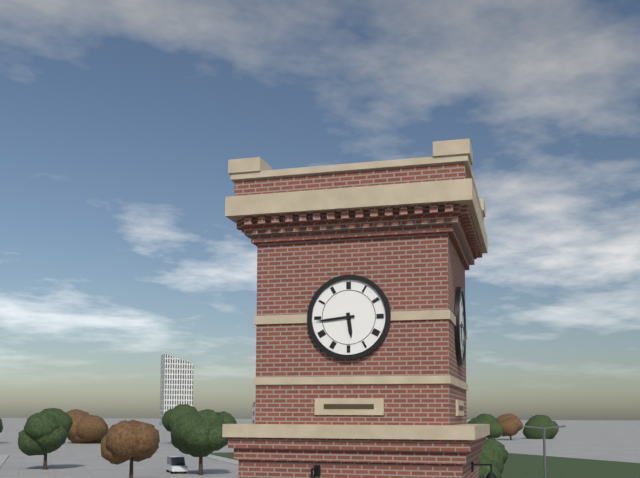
5:44
